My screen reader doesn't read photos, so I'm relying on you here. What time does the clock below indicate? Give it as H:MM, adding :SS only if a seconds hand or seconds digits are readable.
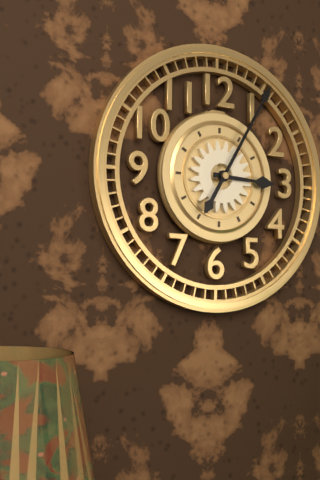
3:05
